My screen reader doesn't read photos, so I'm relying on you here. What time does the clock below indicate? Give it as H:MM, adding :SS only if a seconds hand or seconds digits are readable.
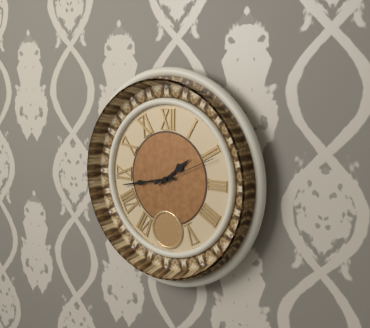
1:43:11
